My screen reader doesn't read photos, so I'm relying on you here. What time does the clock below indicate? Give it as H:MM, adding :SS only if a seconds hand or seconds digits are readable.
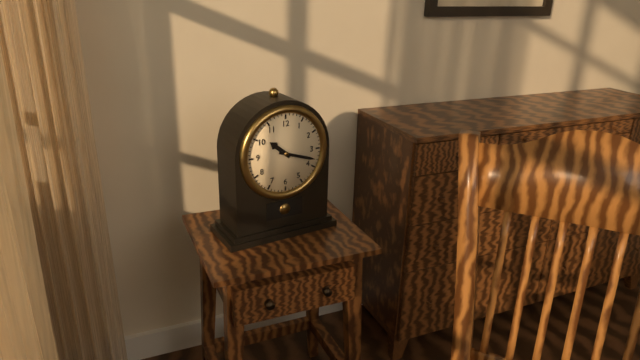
10:18
